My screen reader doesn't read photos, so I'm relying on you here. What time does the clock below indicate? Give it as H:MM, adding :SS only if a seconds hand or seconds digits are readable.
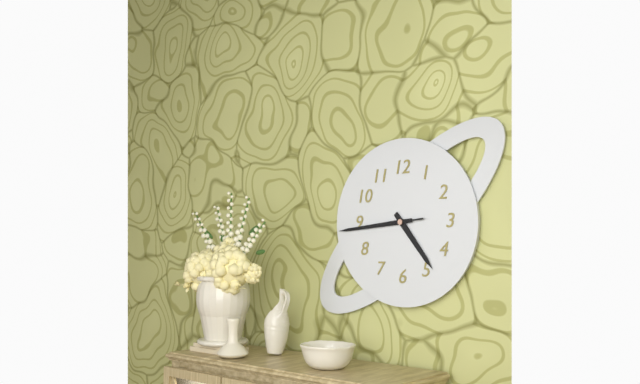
4:44:44
